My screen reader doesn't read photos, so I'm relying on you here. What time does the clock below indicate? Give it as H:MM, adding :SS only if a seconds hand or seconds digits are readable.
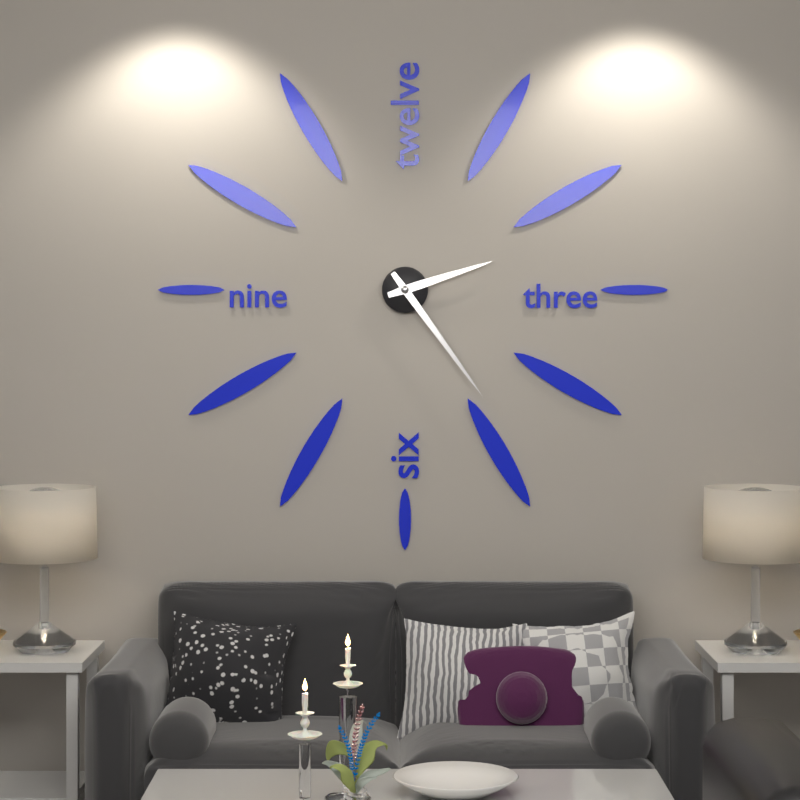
2:24
